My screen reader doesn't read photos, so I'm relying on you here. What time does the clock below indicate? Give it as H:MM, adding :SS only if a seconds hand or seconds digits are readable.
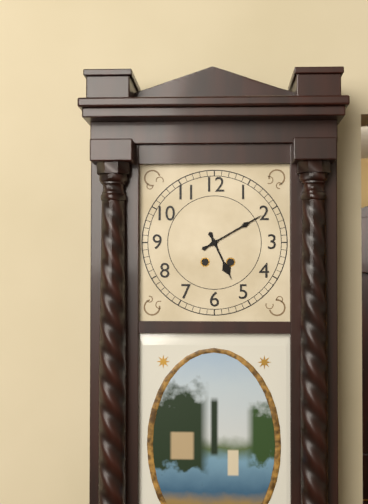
5:10
